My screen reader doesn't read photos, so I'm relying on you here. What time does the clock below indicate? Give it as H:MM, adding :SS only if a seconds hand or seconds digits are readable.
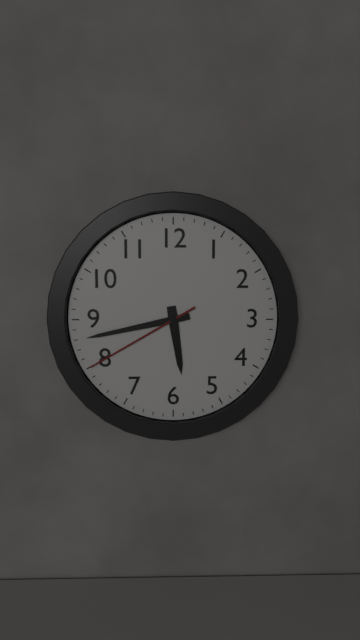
5:43:40
